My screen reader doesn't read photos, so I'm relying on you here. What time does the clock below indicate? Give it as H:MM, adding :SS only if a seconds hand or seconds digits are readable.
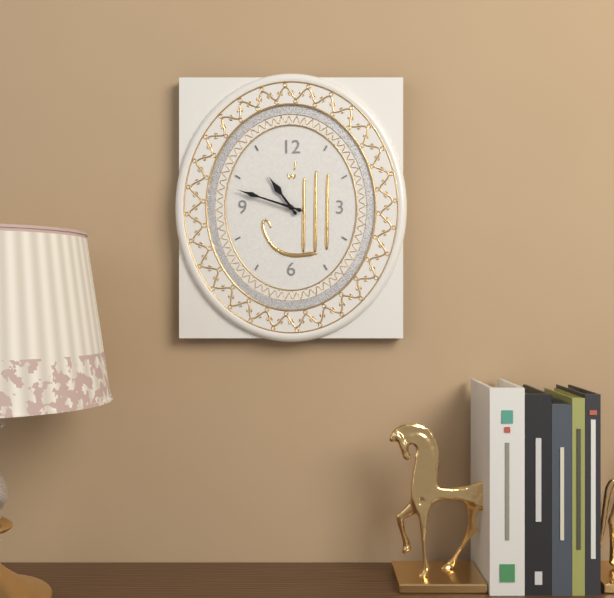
10:48
